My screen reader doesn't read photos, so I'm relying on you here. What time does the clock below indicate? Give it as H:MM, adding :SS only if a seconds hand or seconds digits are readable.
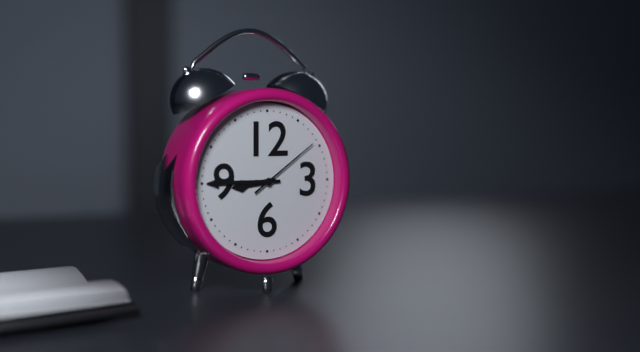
8:45:09
